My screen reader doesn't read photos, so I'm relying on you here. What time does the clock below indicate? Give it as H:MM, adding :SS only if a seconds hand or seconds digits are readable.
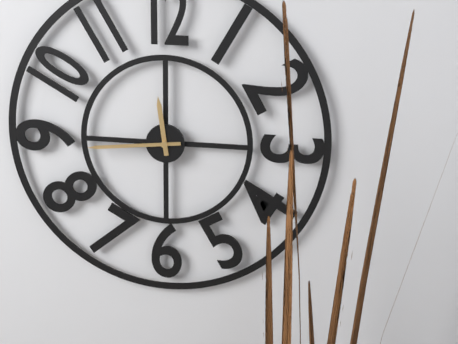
11:44
